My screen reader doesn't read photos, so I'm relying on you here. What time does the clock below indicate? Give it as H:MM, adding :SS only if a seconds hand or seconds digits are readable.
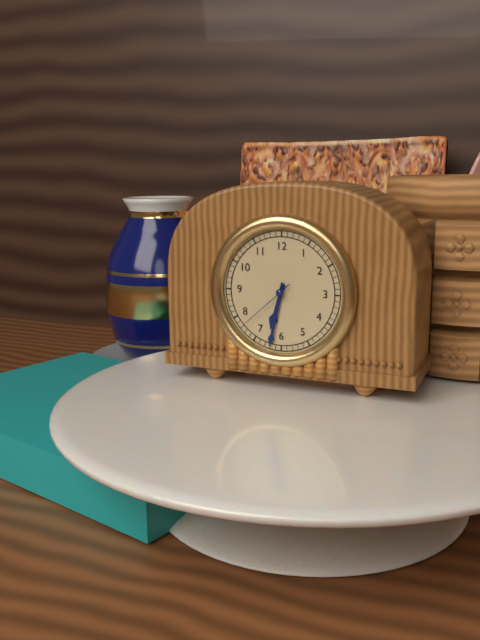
6:32:38
